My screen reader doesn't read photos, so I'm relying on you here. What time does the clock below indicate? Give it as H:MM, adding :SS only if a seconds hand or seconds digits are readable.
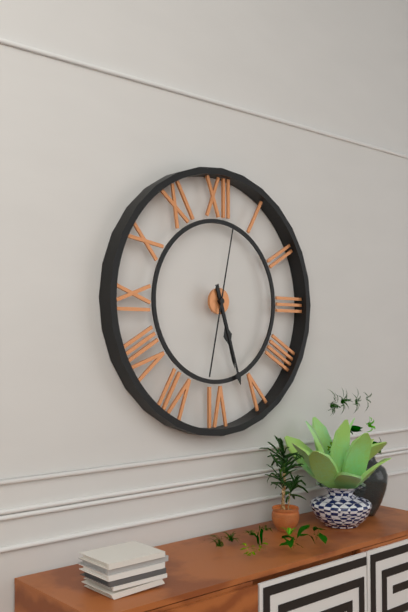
5:27:02
